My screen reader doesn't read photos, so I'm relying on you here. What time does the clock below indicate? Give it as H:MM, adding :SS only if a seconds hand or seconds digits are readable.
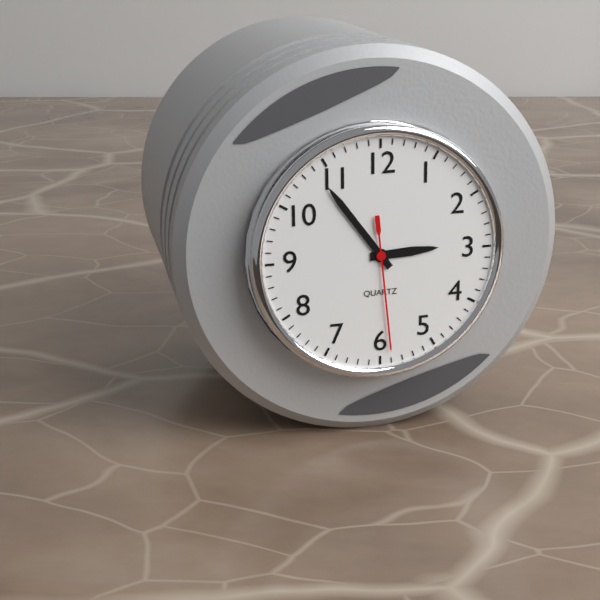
2:54:29
